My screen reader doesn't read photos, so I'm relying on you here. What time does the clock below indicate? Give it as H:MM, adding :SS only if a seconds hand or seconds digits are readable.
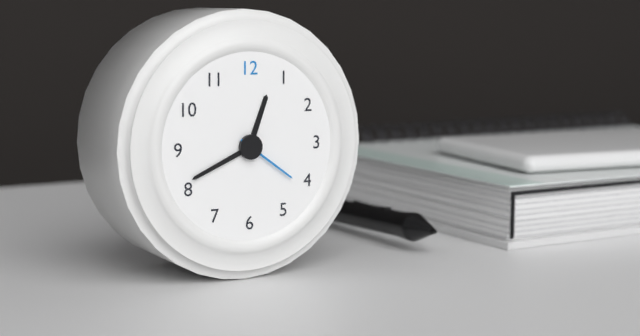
12:41:21
